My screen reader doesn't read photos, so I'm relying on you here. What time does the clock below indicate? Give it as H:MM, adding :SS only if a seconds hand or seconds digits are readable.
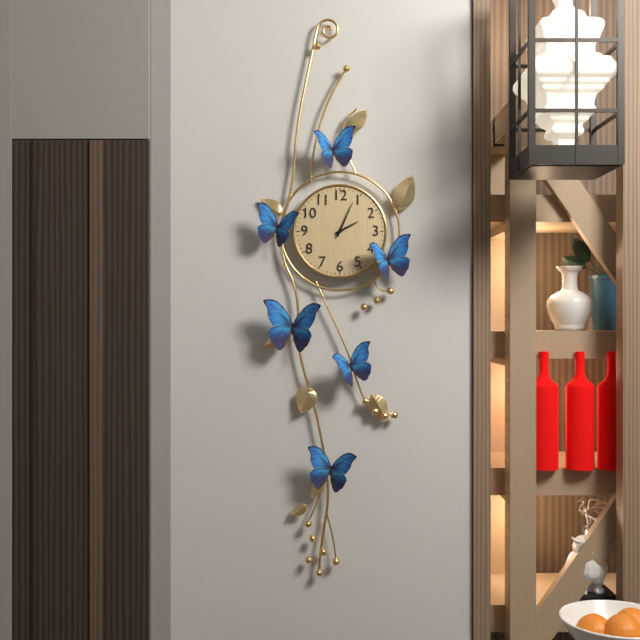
2:04
